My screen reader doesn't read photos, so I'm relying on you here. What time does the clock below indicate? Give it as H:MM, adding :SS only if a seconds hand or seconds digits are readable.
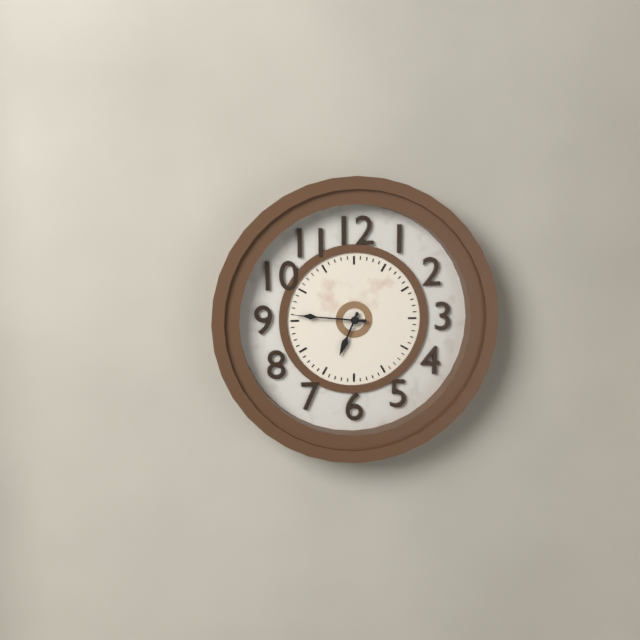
6:46
